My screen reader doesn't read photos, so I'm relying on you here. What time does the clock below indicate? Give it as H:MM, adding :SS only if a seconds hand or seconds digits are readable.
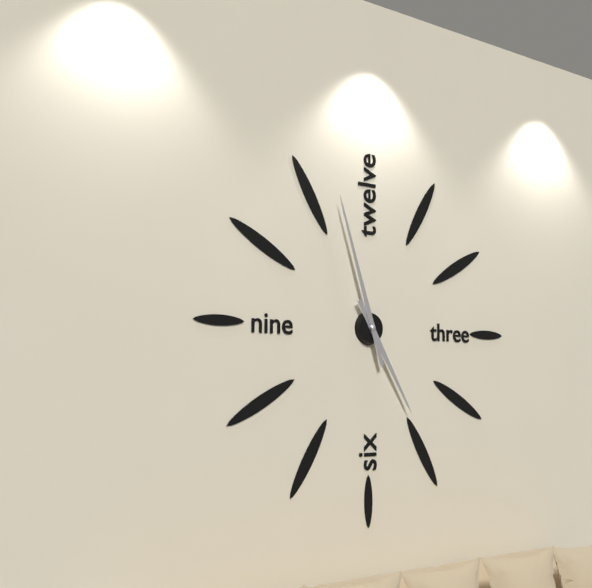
4:57
